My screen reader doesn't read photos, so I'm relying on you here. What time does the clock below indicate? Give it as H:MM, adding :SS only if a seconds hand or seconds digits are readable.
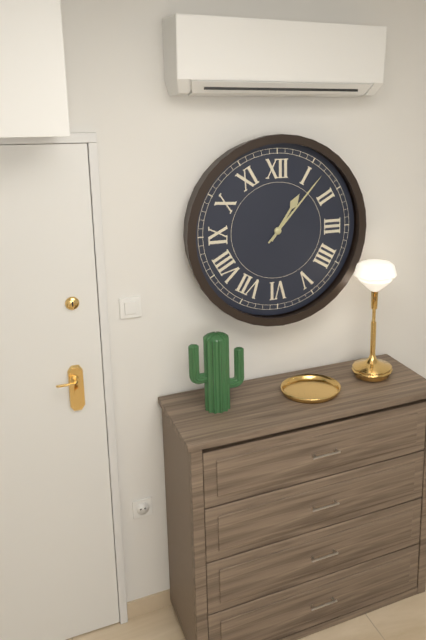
1:07
